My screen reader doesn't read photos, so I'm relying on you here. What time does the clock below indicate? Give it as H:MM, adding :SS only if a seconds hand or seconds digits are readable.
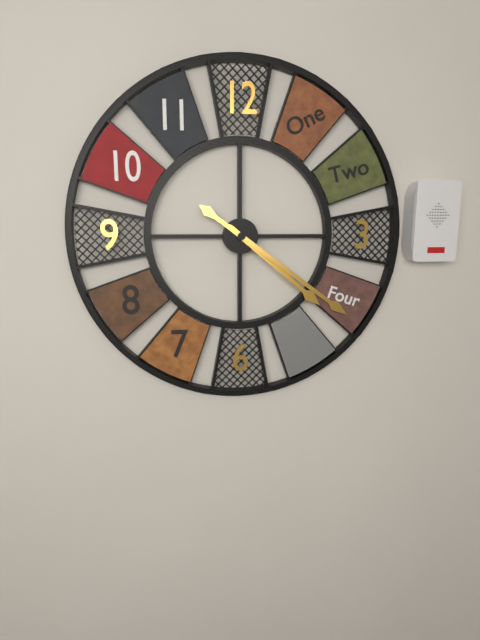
4:21
